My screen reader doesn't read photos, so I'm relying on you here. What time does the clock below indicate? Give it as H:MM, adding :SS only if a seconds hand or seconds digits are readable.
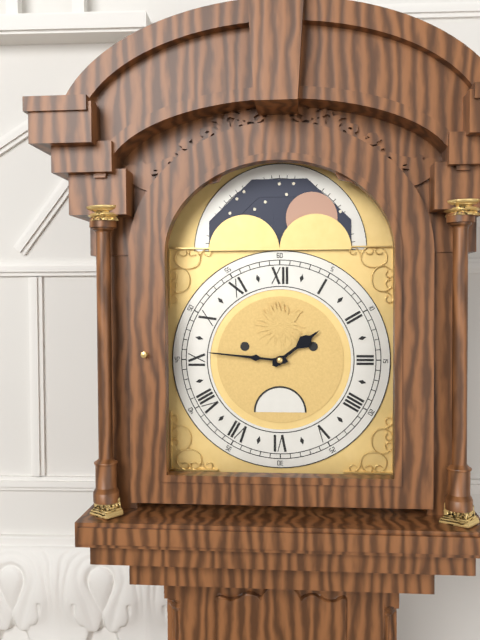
1:46
